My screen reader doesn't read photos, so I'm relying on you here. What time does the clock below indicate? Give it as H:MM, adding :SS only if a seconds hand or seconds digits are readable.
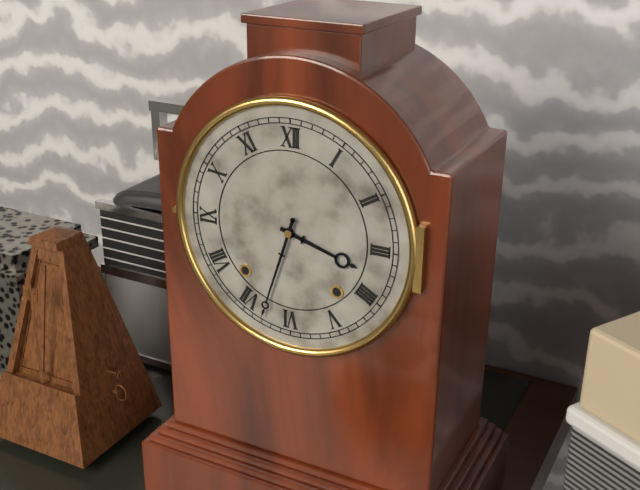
3:33
